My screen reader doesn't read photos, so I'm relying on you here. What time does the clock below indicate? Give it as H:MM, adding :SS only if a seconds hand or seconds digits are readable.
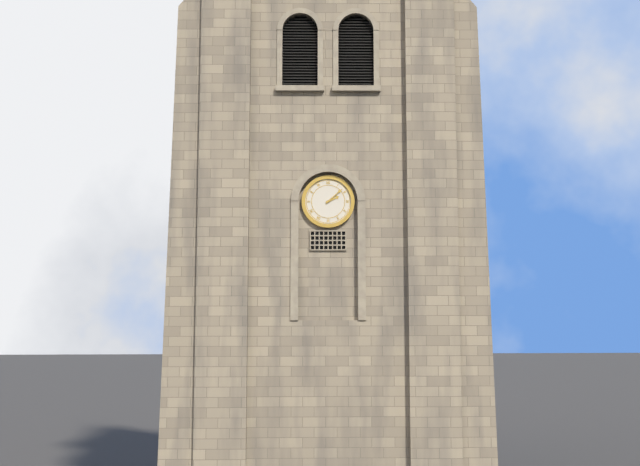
2:08
